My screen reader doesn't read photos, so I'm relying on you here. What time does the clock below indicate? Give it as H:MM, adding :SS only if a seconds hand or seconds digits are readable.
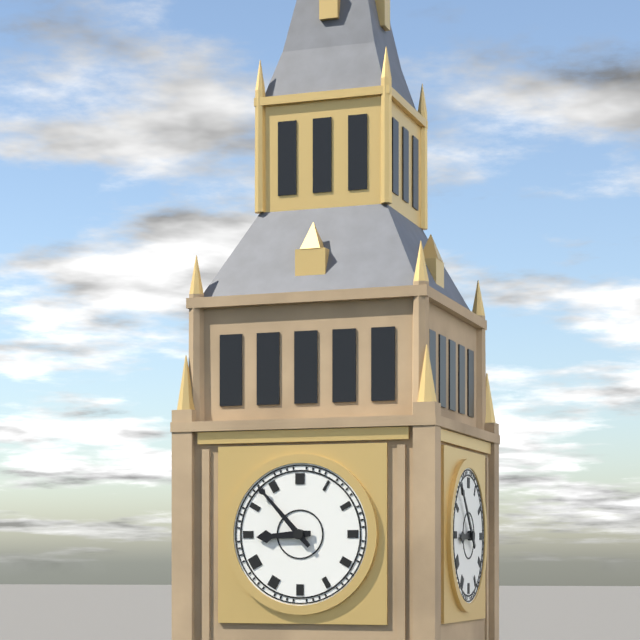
8:53
